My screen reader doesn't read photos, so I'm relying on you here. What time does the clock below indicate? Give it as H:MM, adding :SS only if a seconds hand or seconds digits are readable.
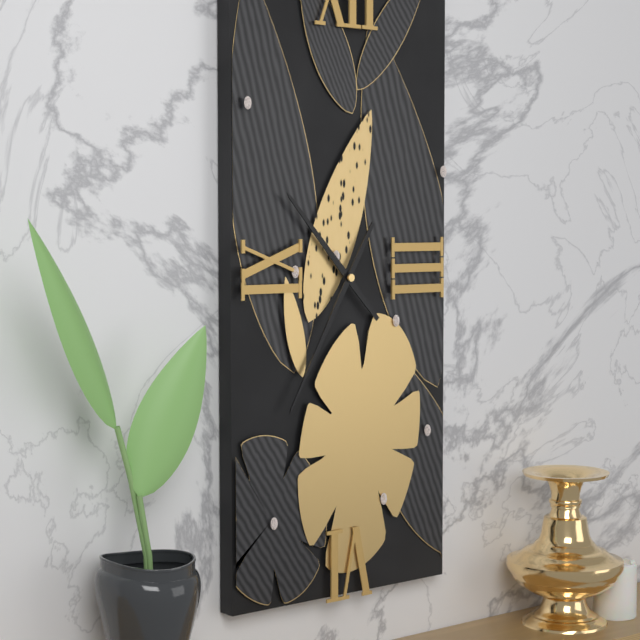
10:35
